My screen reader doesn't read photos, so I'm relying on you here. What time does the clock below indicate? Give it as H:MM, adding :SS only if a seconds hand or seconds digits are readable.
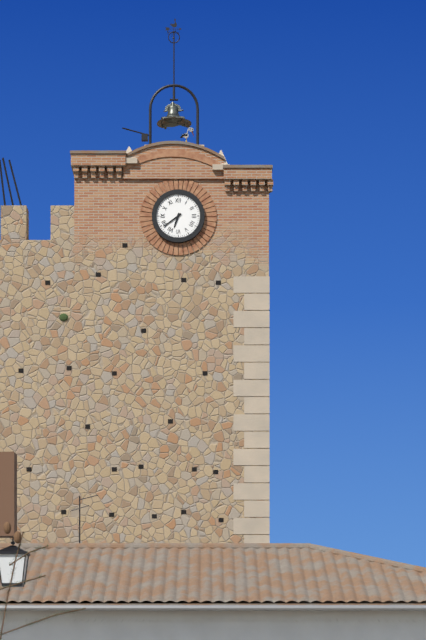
6:39
